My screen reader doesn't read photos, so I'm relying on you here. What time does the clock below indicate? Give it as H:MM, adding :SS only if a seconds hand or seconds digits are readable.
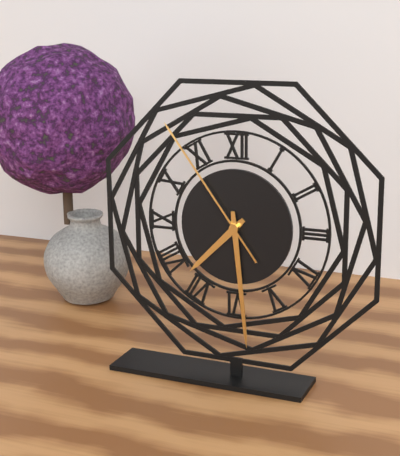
7:29:54
